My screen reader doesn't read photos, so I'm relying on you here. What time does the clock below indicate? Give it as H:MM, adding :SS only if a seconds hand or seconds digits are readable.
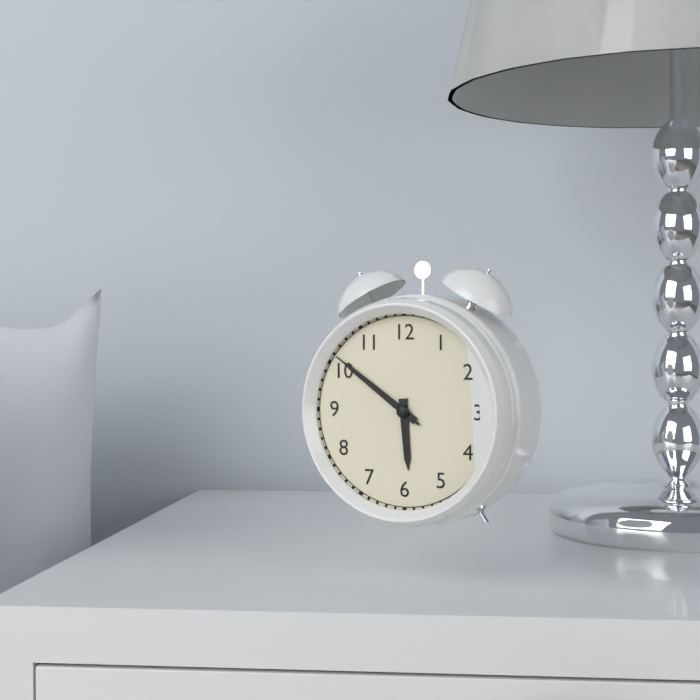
5:51:51
